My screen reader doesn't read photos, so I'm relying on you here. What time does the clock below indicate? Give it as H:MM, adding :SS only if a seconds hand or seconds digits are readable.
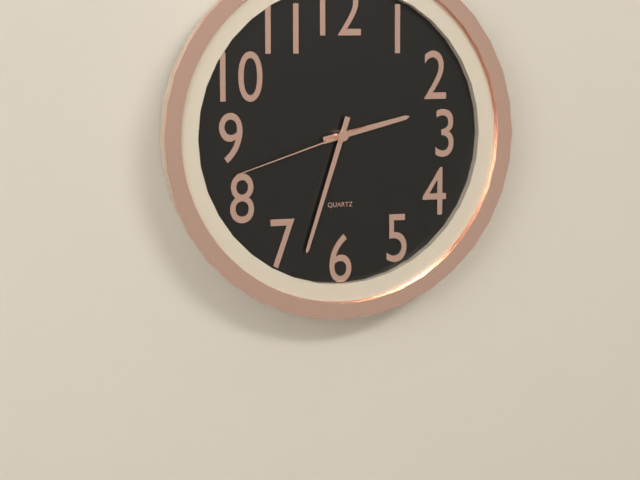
2:33:42
